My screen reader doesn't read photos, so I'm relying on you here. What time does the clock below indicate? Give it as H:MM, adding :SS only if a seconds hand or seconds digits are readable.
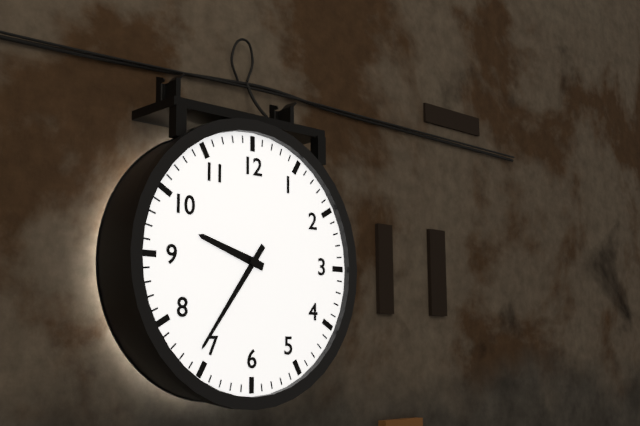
9:36
